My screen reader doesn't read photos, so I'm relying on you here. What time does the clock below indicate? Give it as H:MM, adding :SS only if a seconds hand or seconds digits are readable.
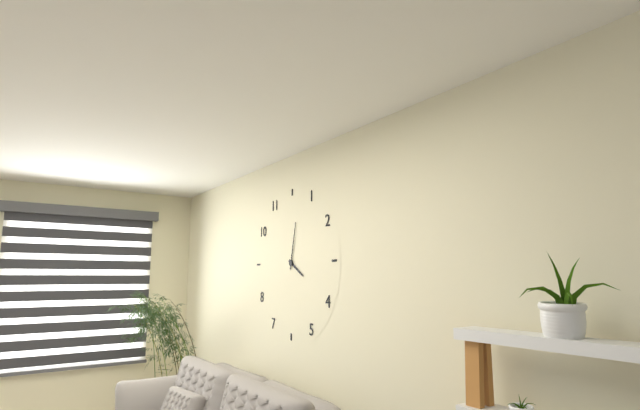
4:02
